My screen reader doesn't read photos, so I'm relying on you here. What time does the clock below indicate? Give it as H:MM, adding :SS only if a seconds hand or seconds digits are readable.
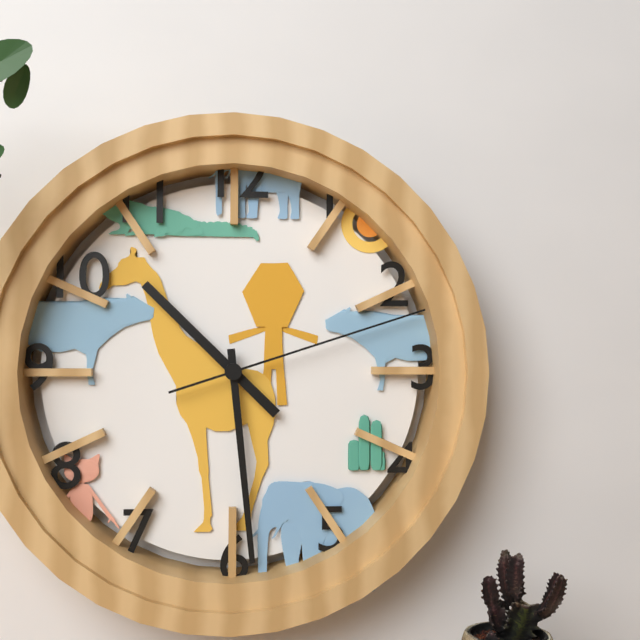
10:29:12
